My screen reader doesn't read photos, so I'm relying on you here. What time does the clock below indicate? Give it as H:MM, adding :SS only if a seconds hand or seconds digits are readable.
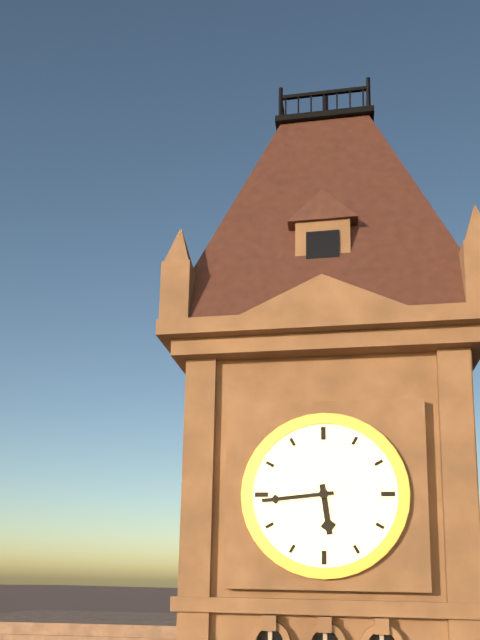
5:44
